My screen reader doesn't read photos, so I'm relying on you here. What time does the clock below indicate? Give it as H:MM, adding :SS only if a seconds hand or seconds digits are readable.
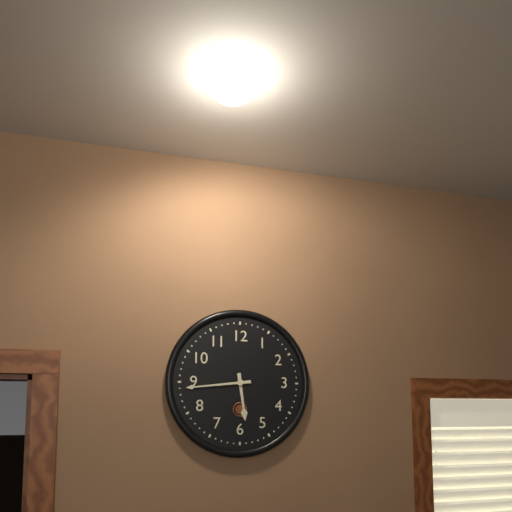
5:44
